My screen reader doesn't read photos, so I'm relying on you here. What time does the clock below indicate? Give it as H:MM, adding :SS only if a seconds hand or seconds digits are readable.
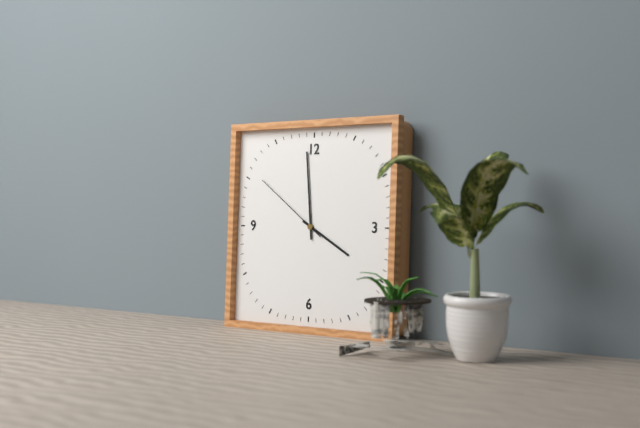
3:59:51
